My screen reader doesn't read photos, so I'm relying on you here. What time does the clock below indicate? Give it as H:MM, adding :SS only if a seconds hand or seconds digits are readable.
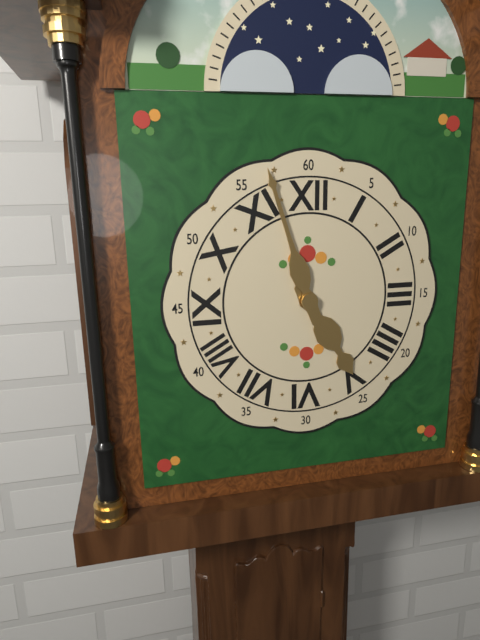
4:57
